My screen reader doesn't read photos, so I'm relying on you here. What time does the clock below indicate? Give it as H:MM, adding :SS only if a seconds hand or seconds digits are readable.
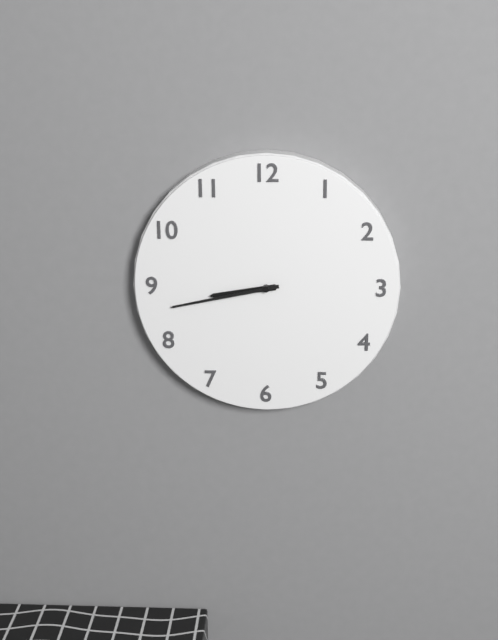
8:43
